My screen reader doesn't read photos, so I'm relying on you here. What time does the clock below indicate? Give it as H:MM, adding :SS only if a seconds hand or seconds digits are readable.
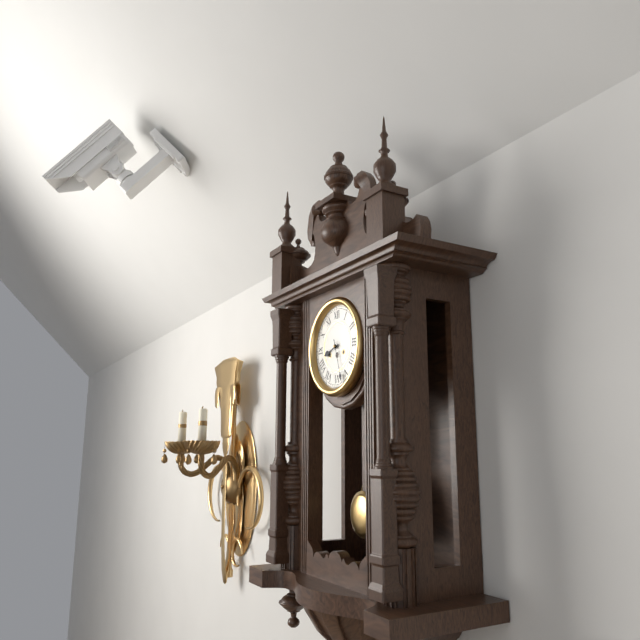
8:27
